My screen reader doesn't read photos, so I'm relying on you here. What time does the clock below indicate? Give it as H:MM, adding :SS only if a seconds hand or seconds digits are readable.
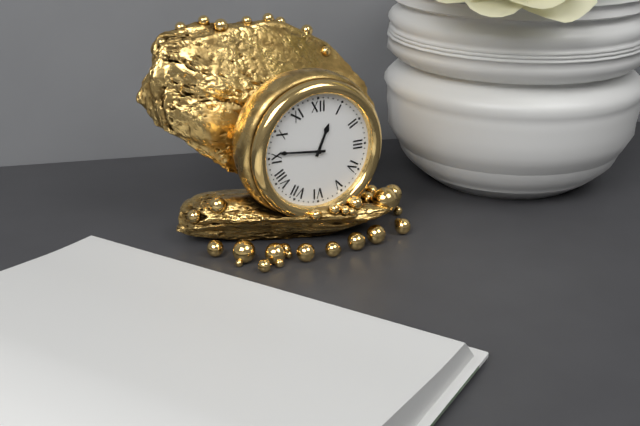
12:46
